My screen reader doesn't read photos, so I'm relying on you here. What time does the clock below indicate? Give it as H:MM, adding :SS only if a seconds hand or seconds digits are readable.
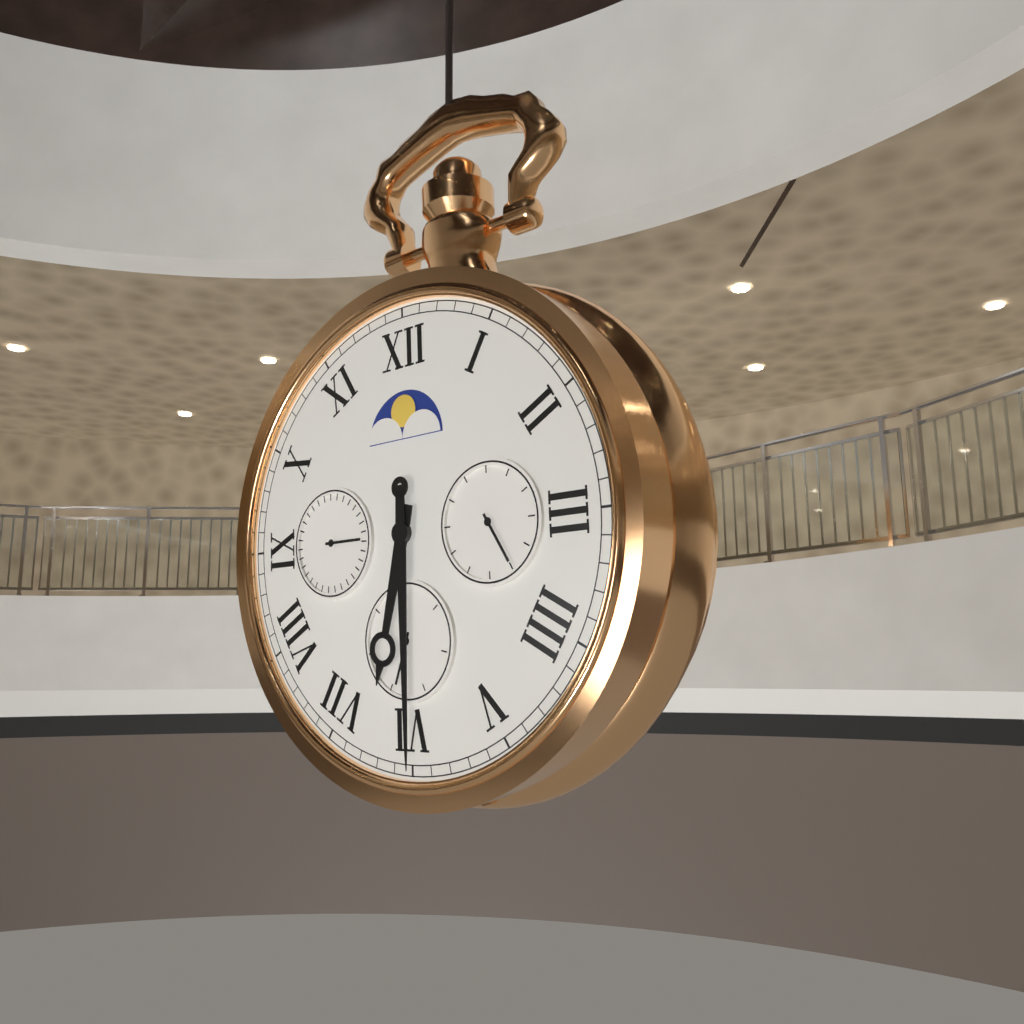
6:30
